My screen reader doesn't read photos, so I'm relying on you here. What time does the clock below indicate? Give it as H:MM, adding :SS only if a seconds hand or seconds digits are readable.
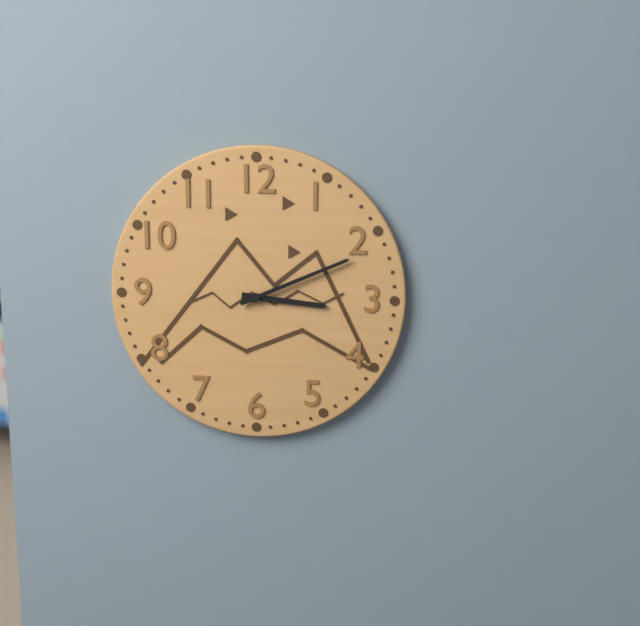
3:11
